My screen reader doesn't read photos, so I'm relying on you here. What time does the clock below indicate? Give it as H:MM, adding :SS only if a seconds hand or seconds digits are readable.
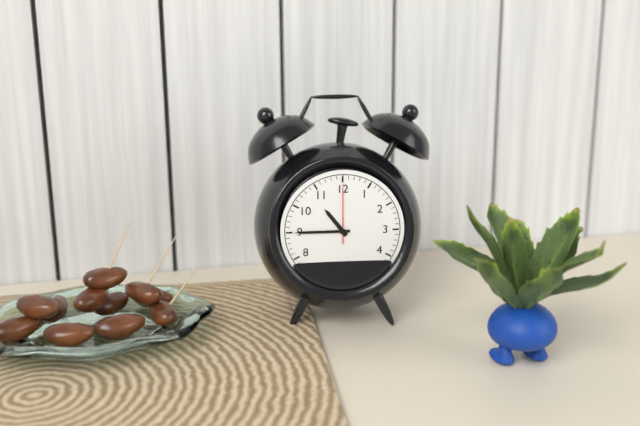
10:45:00
